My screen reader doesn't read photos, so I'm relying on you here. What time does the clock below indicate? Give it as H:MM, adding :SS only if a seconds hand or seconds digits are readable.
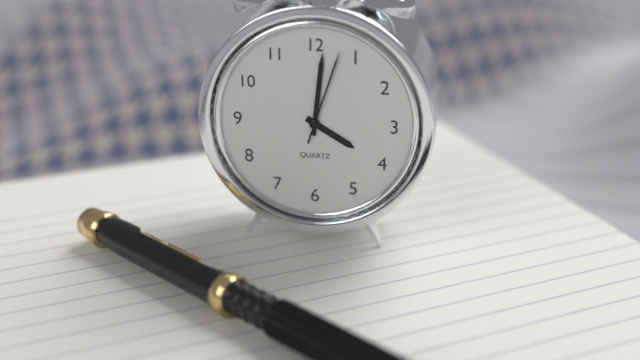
4:01:03
